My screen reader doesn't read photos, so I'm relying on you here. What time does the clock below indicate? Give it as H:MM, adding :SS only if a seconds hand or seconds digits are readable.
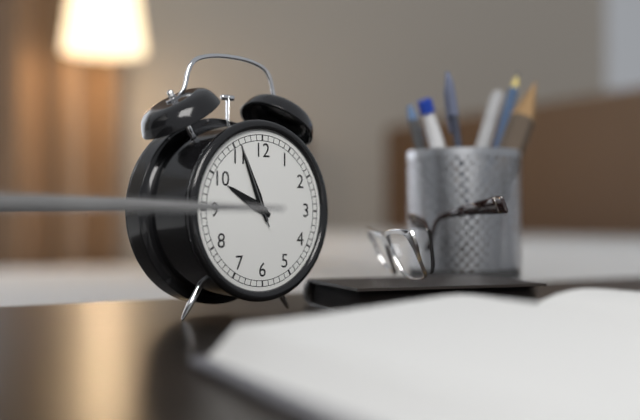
9:56:56
